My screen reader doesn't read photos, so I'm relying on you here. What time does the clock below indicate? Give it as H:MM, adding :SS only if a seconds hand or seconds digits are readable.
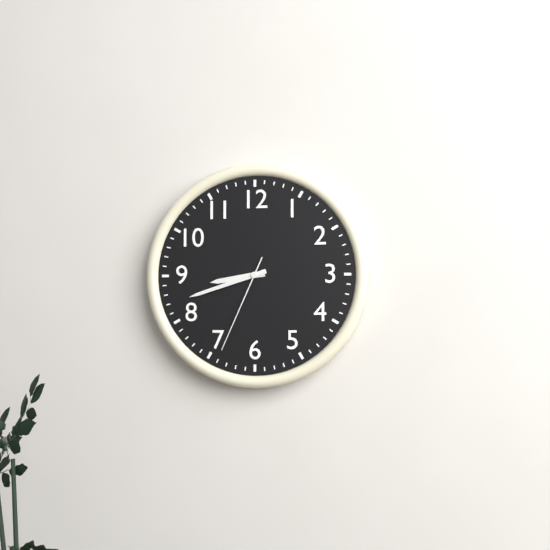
8:42:34
